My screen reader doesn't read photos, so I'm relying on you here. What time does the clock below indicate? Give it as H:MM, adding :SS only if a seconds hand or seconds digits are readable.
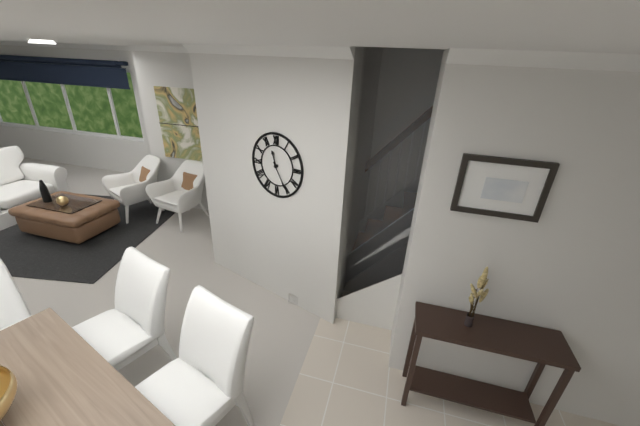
11:25
